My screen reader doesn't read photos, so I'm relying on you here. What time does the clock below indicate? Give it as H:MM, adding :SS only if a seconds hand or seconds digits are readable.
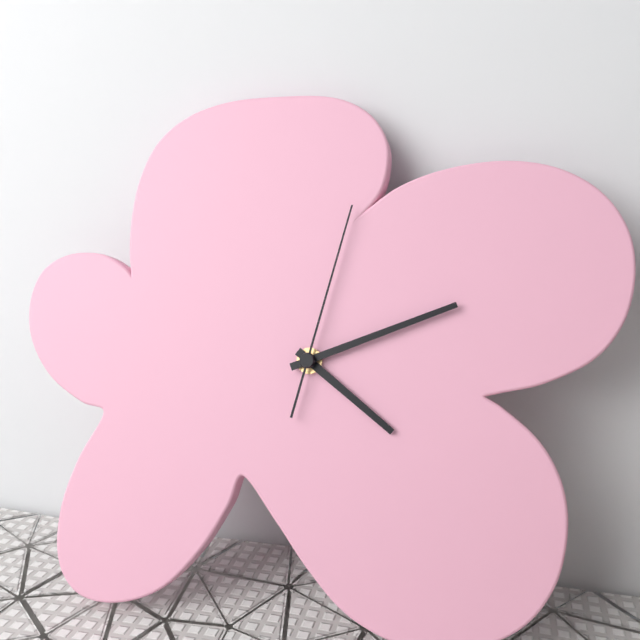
4:11:02
